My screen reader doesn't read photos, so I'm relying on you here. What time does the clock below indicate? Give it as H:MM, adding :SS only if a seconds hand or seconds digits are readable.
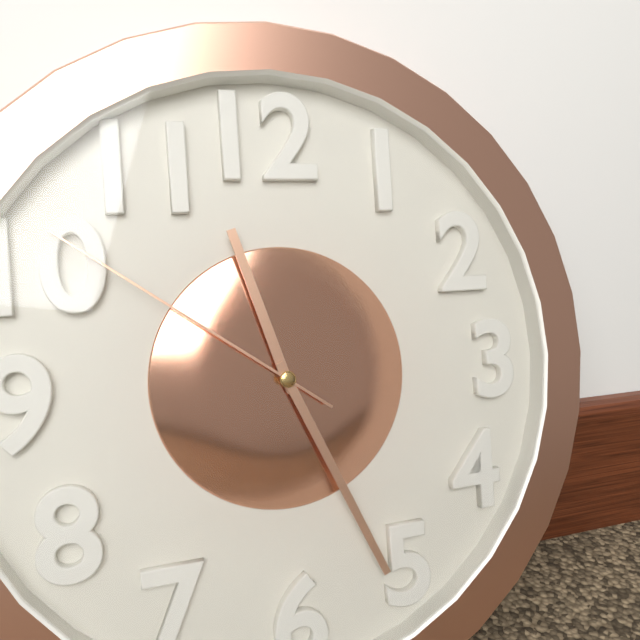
11:26:51
